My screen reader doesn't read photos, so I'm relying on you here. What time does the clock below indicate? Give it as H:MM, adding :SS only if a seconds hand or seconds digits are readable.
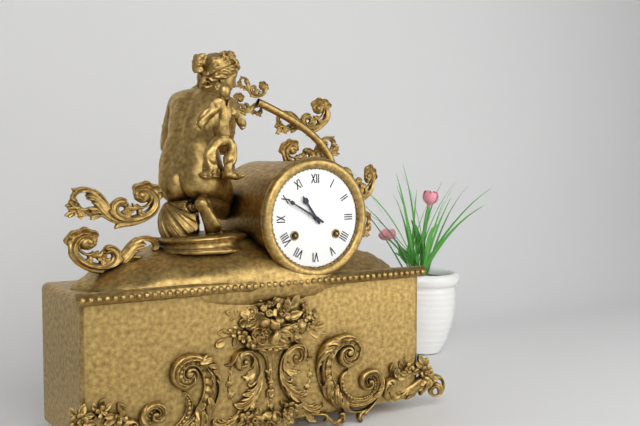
10:50
